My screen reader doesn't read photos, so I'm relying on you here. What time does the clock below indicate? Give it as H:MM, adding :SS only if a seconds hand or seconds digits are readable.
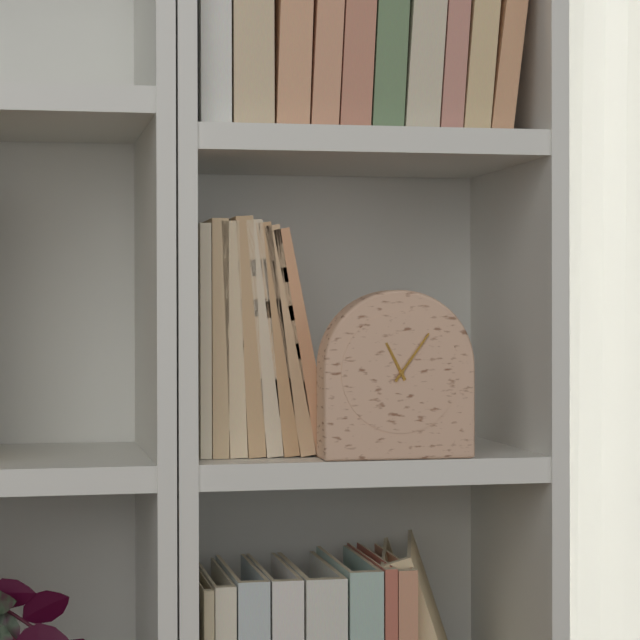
11:06
